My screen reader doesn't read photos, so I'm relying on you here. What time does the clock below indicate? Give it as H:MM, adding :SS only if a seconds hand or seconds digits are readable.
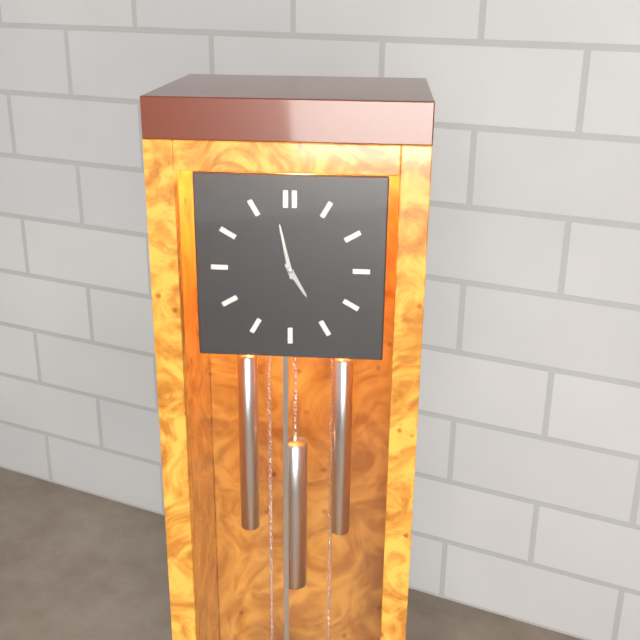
4:58
